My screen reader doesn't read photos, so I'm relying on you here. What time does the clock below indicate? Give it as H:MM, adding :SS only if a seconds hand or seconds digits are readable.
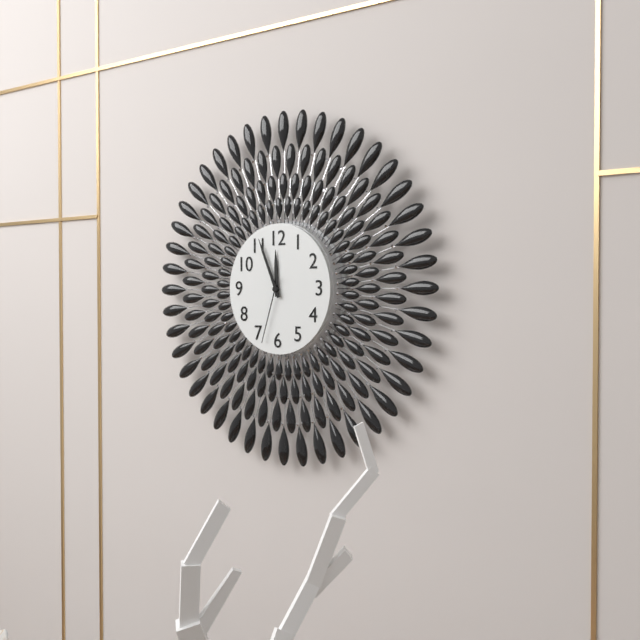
11:56:33
